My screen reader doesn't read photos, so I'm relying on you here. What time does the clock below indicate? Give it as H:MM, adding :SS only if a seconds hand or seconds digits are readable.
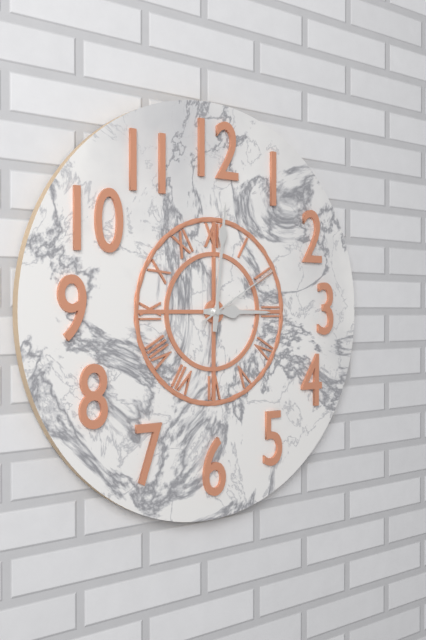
3:01:10
